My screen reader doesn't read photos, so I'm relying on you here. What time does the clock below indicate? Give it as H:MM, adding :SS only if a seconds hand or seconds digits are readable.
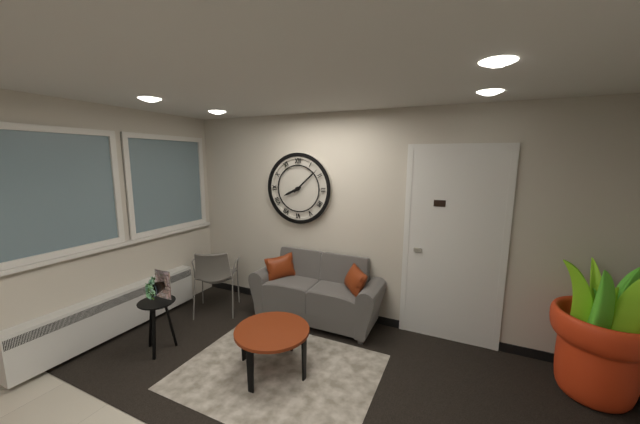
8:08
